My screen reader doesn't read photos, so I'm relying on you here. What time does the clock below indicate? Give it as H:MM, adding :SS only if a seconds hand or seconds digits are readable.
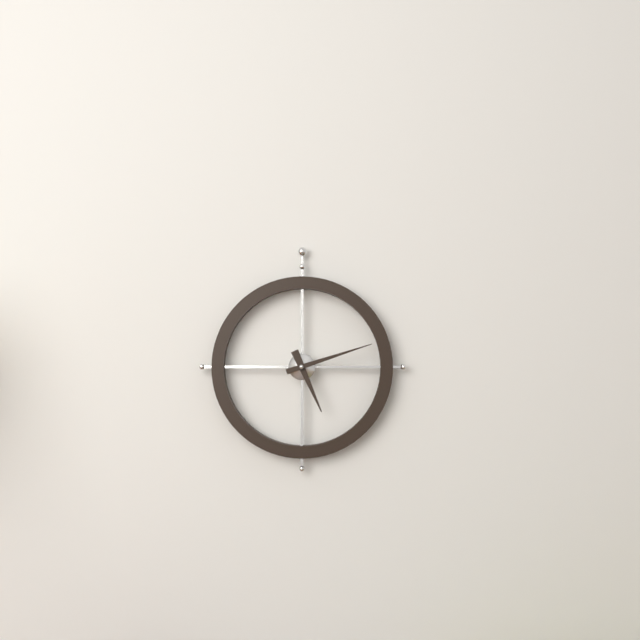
5:12
